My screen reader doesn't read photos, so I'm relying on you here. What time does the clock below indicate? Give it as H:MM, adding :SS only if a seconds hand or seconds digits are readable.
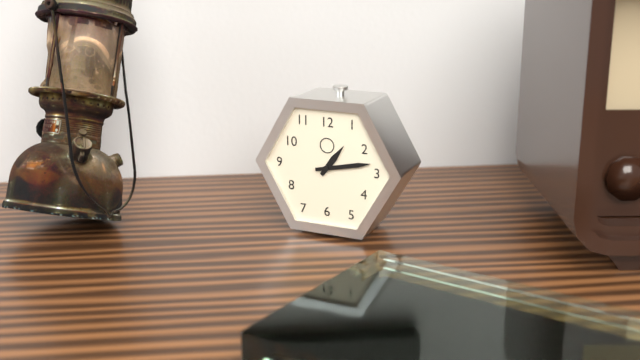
1:13
